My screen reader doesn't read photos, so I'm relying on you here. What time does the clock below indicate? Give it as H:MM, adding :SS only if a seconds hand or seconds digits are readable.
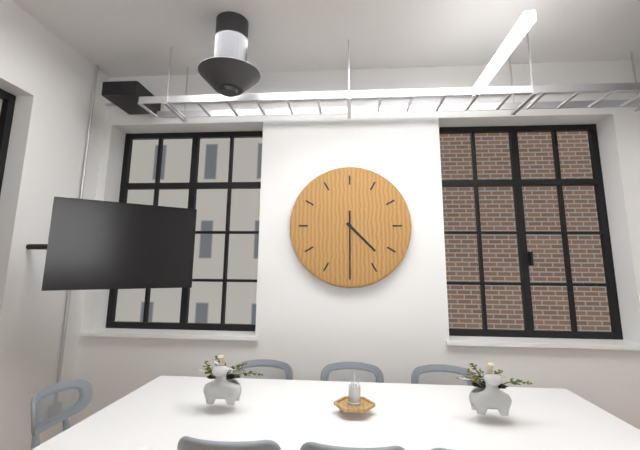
4:30
